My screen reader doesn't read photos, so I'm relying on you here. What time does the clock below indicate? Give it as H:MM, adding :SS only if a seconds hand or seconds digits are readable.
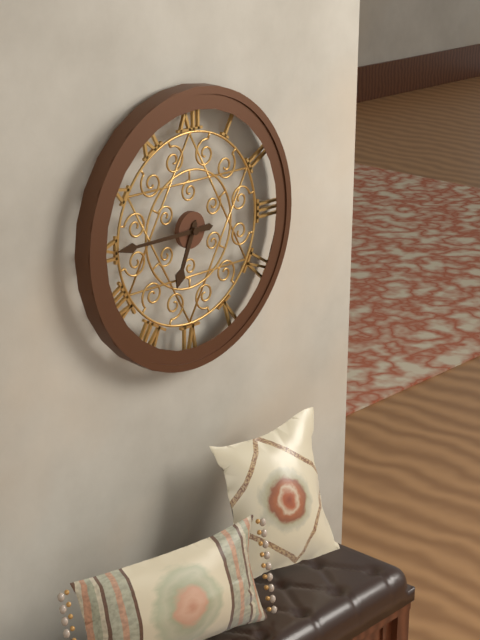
6:45
